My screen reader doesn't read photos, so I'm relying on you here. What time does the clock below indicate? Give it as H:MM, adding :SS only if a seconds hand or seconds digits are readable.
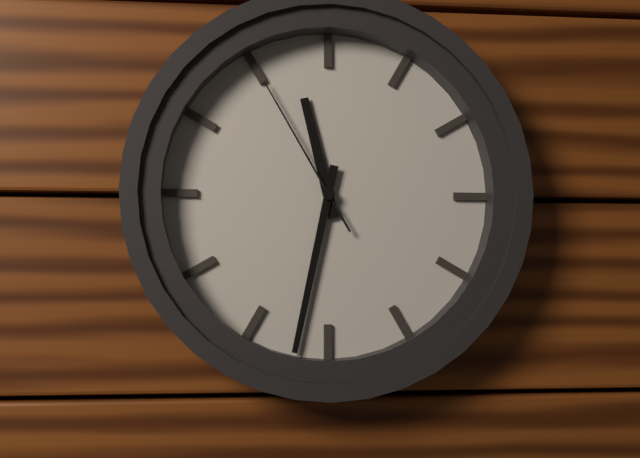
11:32:55
